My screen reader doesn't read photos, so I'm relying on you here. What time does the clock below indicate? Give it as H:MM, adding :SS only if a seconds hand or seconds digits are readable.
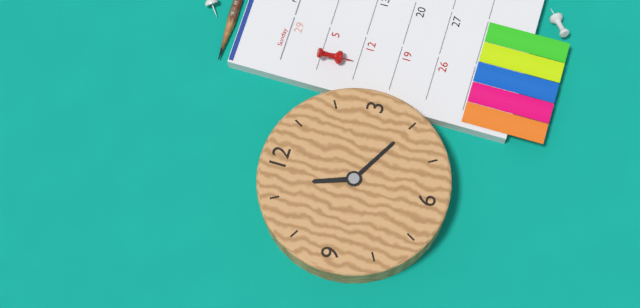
11:20
